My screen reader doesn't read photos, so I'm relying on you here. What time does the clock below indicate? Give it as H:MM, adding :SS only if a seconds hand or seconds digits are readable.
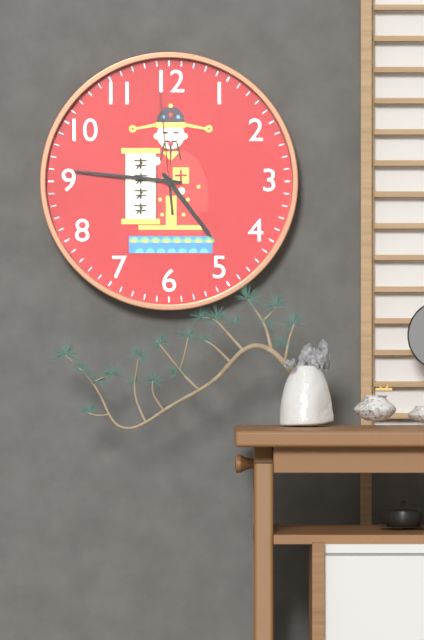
4:46:59
